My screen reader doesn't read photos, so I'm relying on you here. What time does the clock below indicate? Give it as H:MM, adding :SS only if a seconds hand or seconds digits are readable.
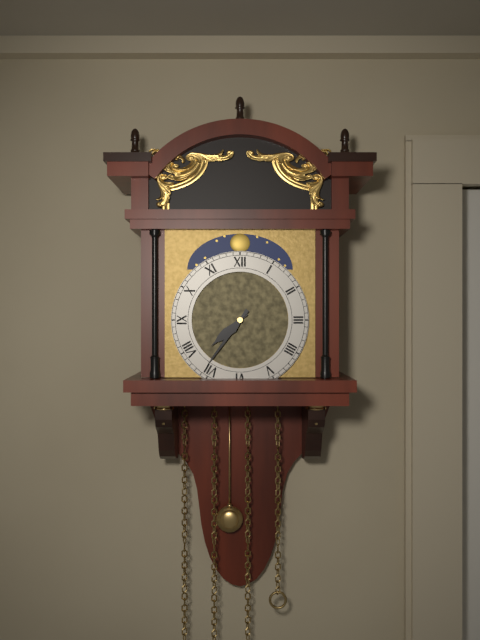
7:36
